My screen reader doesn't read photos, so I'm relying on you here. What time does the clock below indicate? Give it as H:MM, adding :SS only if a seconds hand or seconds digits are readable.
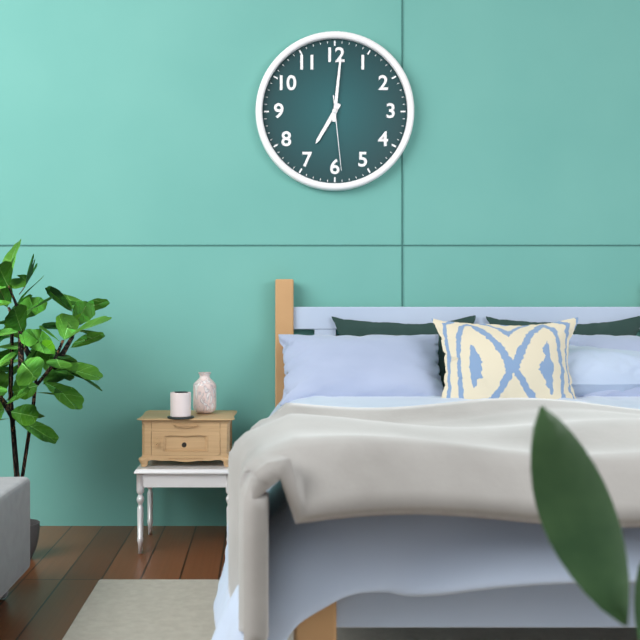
7:01:29
